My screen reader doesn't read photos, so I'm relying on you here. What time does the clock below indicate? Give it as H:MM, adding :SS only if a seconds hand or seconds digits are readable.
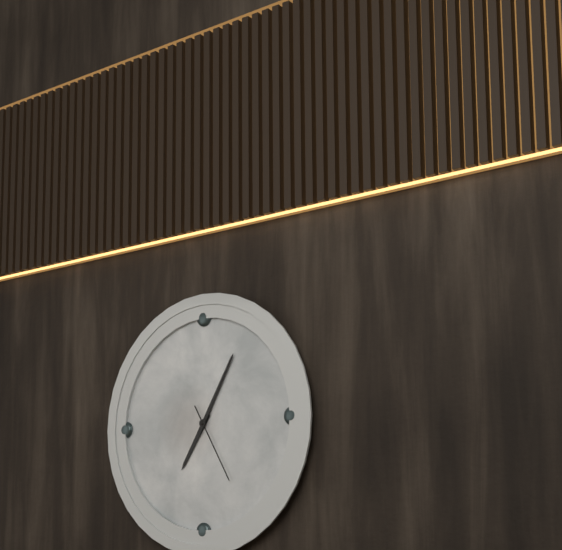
7:05:25
